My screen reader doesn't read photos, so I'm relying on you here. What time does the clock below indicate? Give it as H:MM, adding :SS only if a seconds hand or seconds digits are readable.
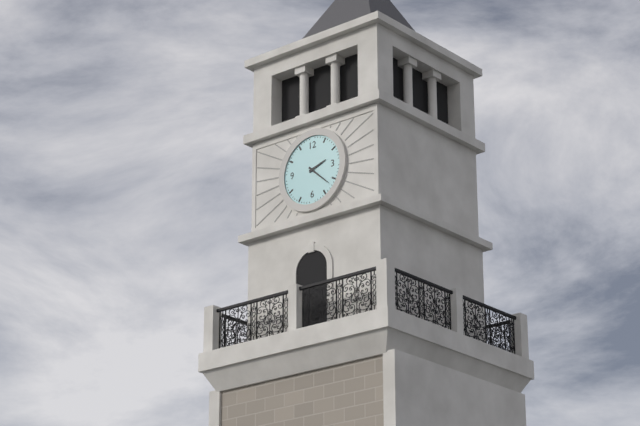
2:22
